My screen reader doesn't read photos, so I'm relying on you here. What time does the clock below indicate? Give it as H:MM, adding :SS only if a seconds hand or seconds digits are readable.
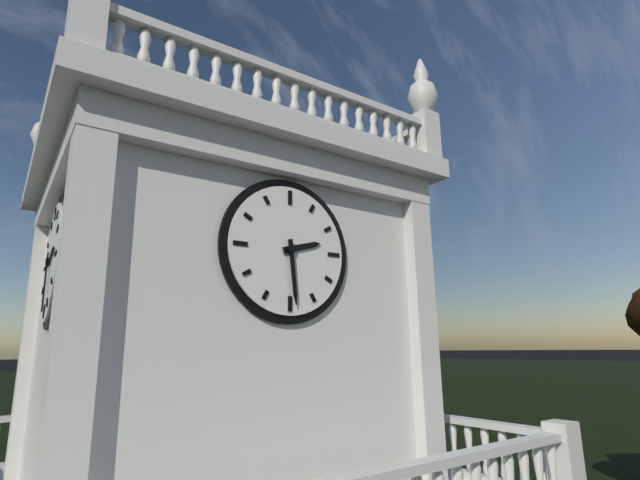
2:29
